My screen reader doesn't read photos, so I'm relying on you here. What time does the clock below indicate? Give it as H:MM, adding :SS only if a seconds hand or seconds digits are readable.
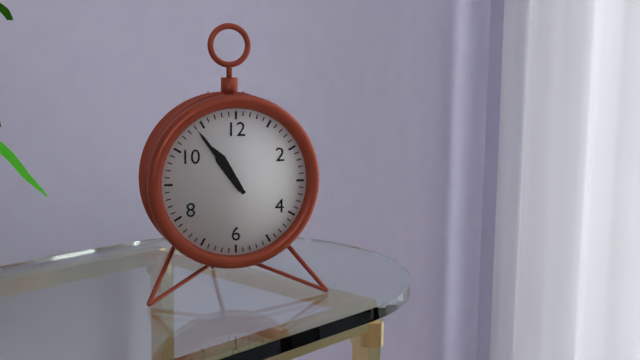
10:54
